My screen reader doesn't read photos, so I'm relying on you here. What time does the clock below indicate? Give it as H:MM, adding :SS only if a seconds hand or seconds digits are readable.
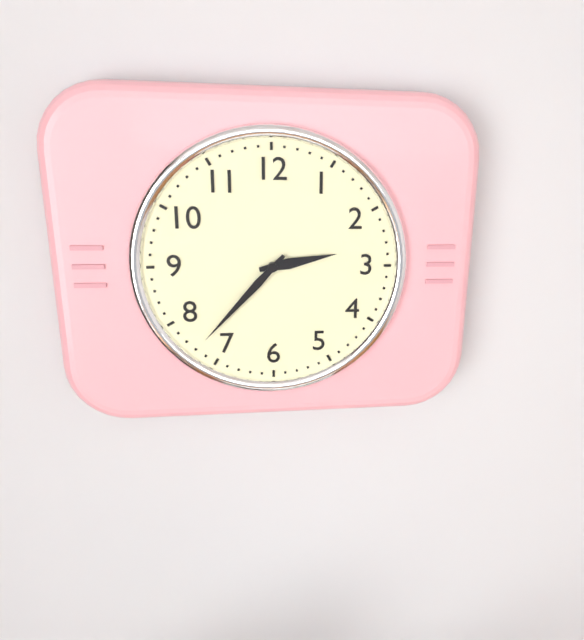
2:37
